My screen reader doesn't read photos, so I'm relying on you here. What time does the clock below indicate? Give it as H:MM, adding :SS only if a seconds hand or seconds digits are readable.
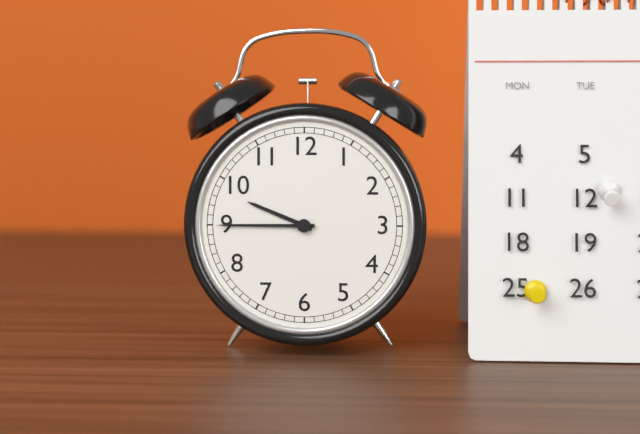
9:45
